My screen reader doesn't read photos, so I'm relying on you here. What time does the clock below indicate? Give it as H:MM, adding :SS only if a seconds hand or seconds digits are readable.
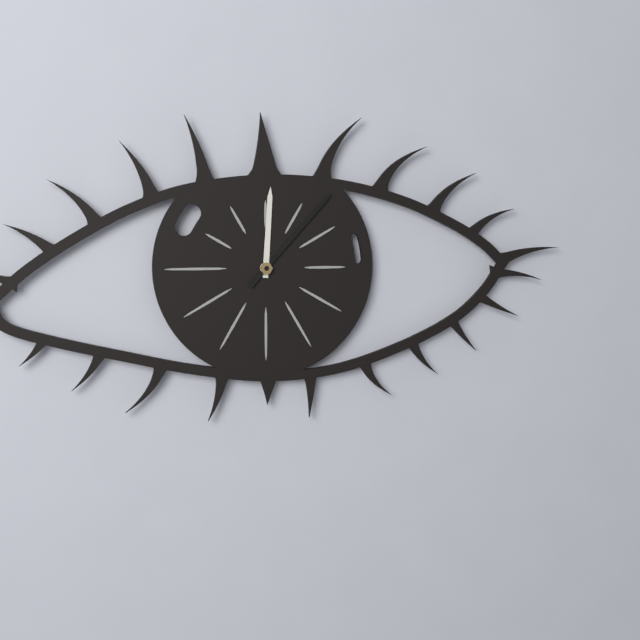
12:07
